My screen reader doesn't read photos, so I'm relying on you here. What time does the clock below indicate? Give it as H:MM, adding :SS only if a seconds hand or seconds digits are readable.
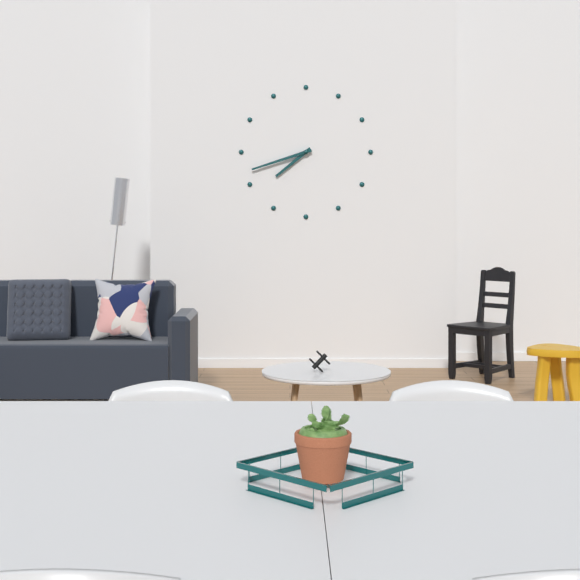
7:42
